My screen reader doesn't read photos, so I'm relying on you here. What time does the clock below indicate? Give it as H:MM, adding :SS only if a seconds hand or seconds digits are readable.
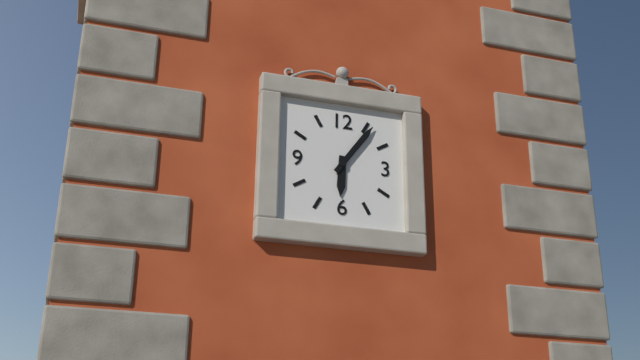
6:06
